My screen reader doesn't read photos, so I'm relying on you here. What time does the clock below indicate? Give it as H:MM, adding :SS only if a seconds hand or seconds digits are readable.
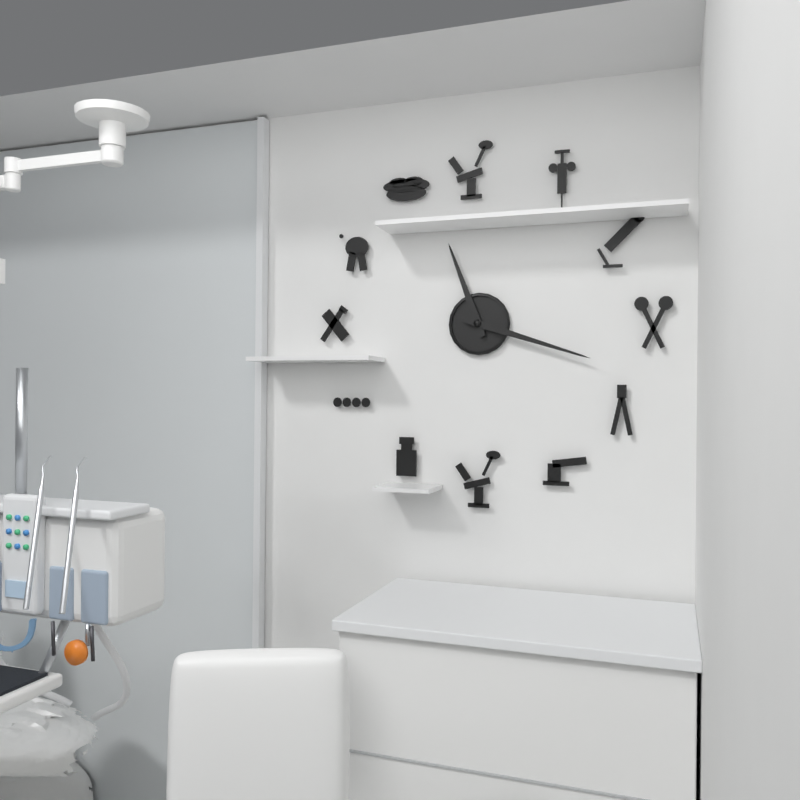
11:18
